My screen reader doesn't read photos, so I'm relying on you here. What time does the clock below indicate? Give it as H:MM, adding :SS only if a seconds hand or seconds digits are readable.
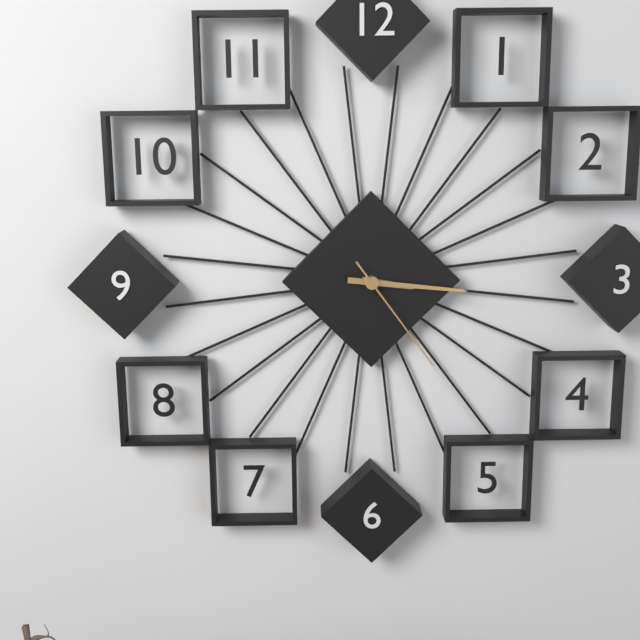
3:16:24
